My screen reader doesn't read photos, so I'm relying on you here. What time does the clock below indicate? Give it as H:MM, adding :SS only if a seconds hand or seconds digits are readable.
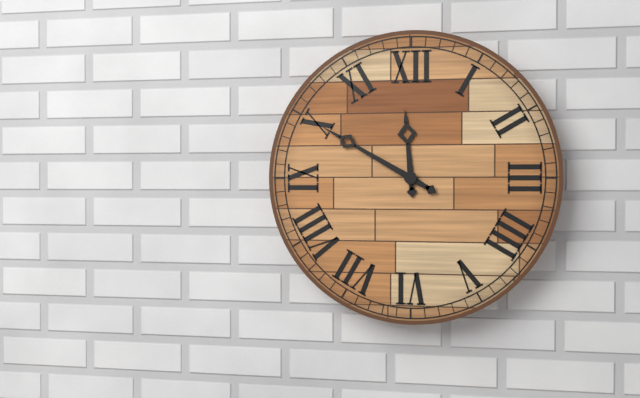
11:50
